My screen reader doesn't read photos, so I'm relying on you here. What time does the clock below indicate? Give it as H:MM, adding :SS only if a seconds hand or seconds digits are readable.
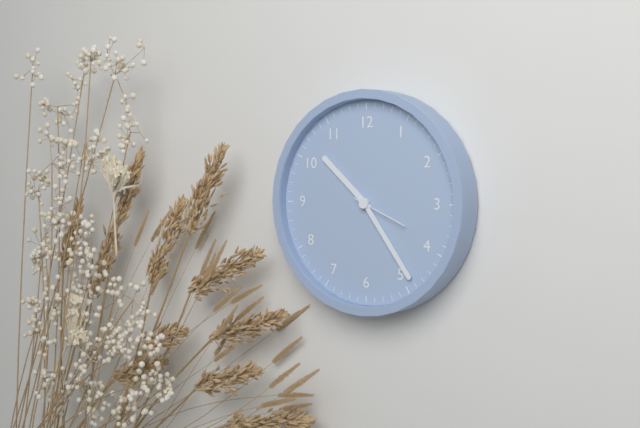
10:24:19
